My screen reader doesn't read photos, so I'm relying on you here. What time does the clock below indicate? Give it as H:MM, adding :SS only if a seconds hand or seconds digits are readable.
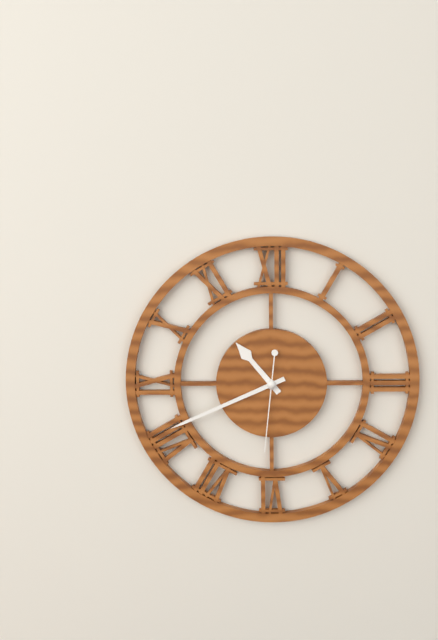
10:41:31
